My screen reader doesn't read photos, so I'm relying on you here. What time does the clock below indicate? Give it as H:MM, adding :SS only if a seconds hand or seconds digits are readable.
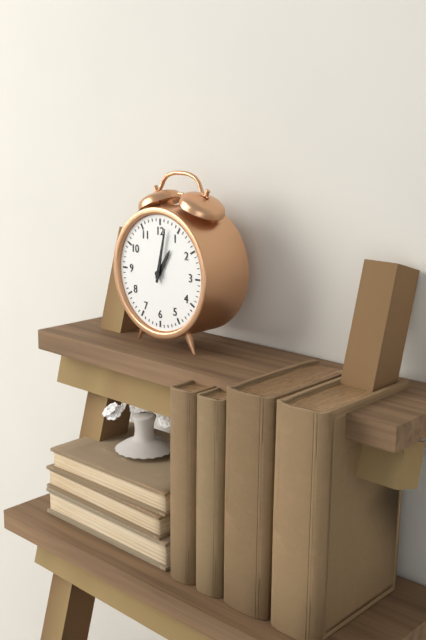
1:02
